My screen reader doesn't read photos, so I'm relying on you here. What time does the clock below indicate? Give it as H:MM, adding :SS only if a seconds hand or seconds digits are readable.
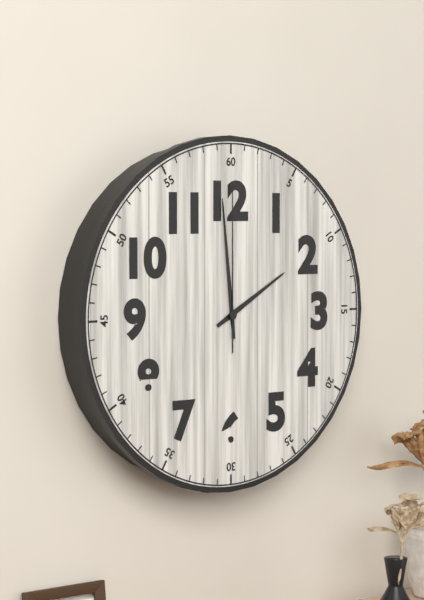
1:59:00
